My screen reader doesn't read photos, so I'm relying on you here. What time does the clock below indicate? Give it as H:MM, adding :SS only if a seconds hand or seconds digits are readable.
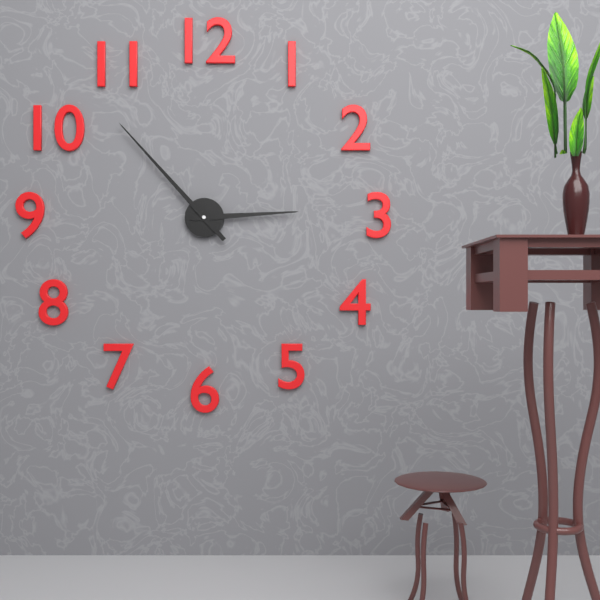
2:53
